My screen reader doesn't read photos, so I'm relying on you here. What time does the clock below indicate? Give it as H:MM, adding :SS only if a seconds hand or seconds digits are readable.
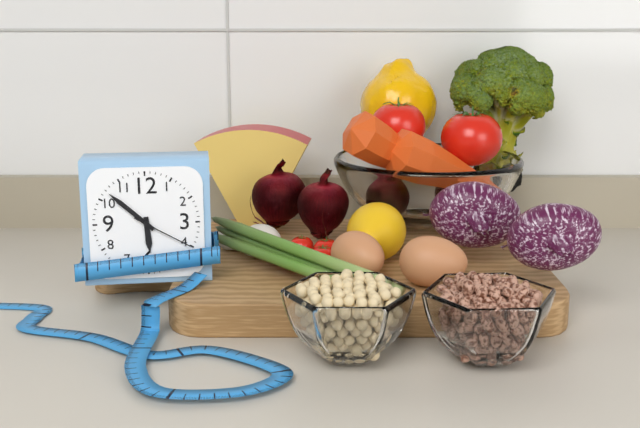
5:52:20
